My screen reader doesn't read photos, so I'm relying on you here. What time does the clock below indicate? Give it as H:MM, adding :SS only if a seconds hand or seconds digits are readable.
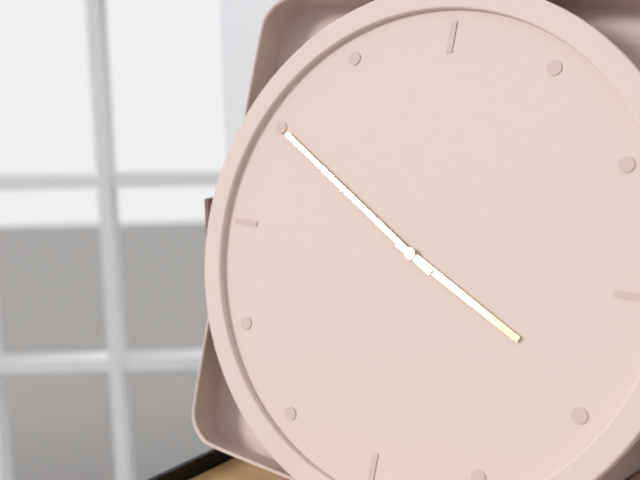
3:50
